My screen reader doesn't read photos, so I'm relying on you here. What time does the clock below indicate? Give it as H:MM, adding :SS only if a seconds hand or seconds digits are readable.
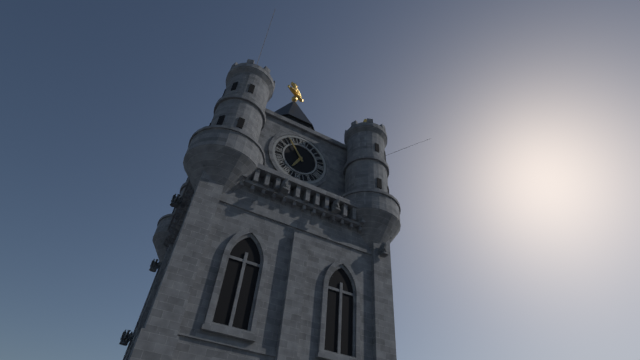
6:54
